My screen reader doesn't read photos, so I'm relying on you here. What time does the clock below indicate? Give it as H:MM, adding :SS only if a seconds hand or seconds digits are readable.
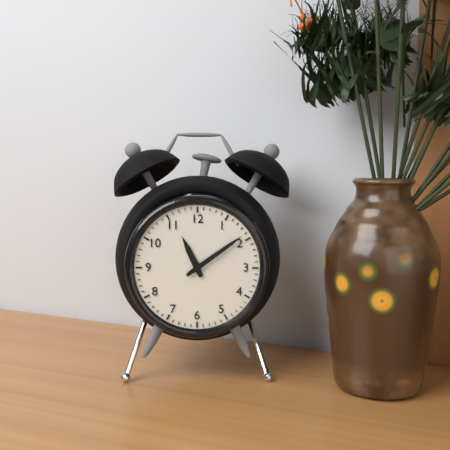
11:09
